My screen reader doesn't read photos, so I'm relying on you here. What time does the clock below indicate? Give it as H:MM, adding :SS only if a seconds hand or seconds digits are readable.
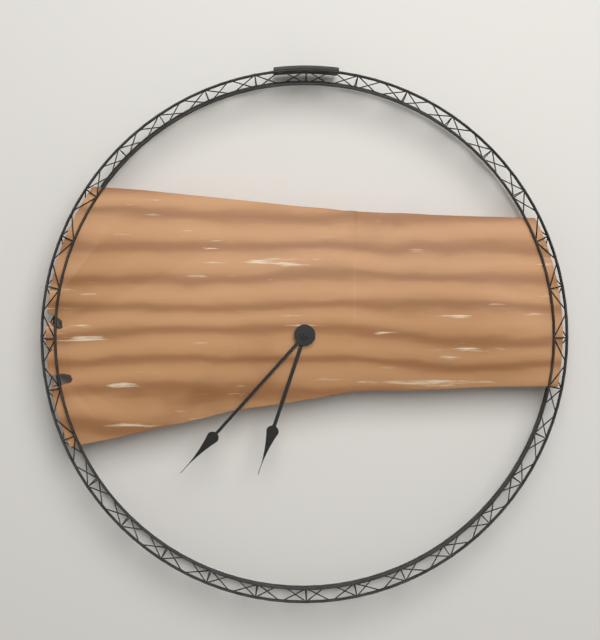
6:37
